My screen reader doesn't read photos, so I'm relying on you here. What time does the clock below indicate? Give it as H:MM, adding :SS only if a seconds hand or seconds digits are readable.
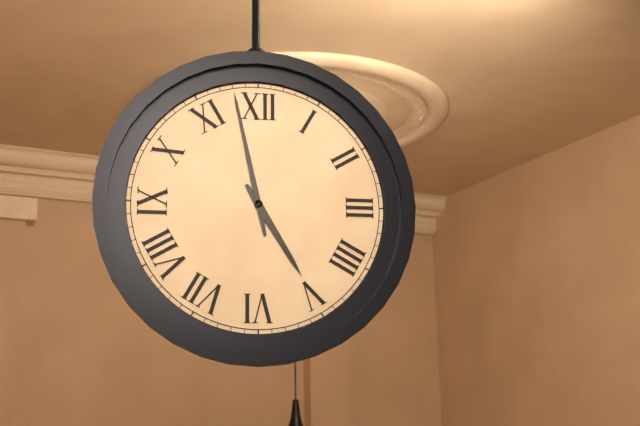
4:58
